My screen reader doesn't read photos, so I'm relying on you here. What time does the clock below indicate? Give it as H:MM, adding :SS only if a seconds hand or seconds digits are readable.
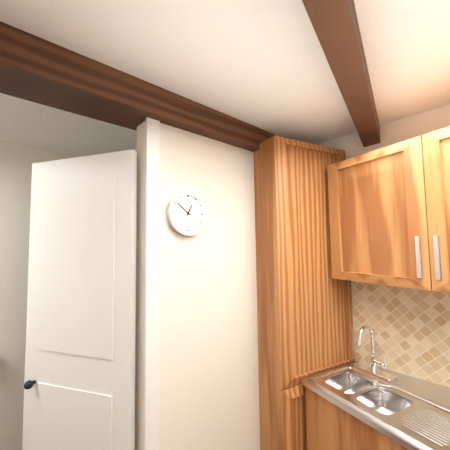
12:51
